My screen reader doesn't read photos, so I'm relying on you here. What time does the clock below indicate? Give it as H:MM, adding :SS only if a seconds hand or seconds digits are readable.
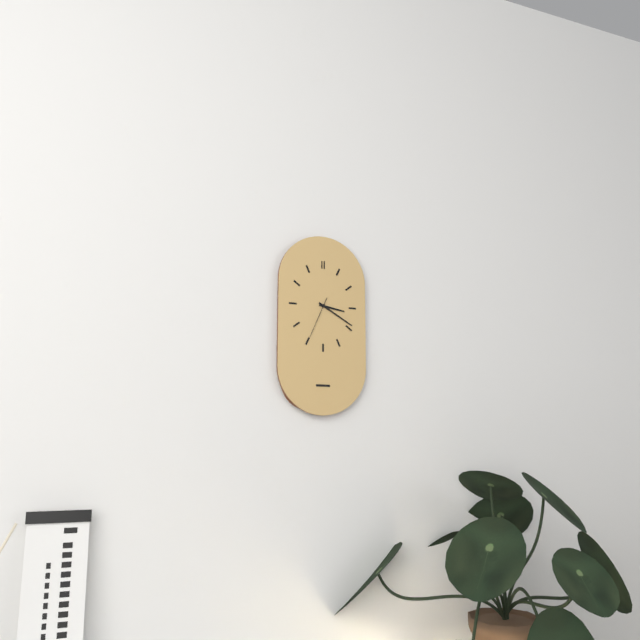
3:20
